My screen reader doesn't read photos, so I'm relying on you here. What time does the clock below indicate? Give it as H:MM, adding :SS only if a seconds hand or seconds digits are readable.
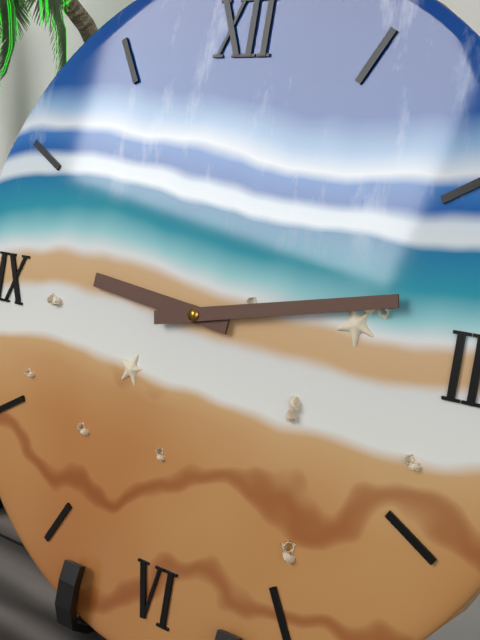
9:13
